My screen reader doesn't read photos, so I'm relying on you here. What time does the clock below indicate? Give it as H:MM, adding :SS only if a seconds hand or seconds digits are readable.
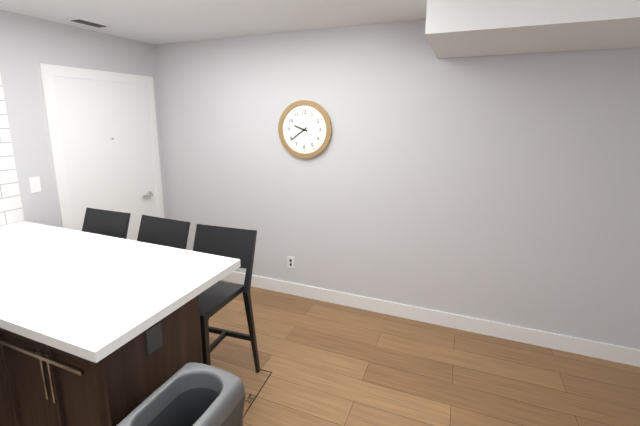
9:39
